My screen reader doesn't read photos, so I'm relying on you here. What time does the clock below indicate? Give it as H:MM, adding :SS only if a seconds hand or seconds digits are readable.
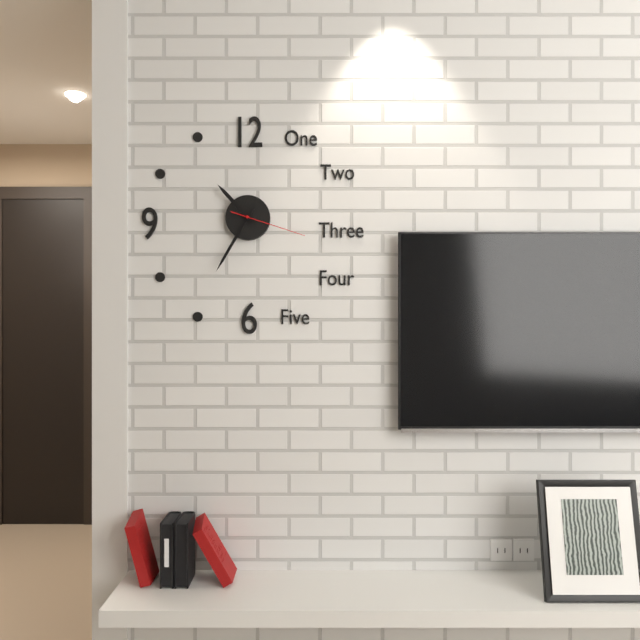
10:35:18
